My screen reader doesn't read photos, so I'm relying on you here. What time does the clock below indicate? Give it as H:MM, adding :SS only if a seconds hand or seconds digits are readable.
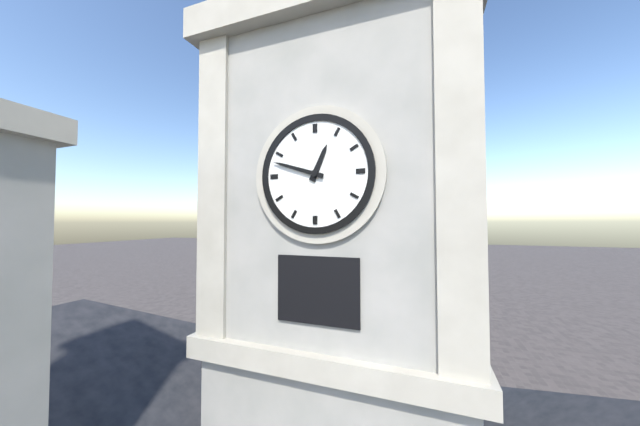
12:48
